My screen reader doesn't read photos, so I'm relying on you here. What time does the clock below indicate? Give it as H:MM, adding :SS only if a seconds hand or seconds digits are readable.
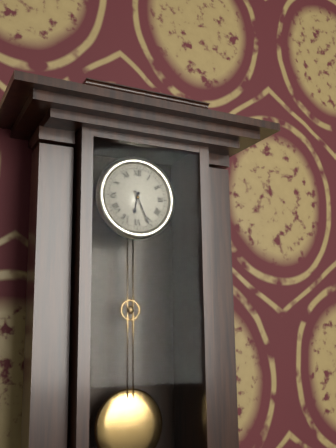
6:26
